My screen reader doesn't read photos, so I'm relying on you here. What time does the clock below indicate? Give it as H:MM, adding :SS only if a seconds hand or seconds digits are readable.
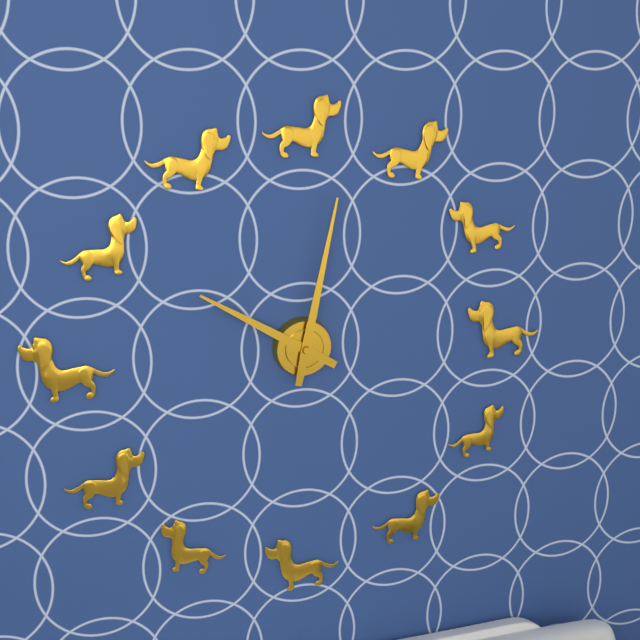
10:02
